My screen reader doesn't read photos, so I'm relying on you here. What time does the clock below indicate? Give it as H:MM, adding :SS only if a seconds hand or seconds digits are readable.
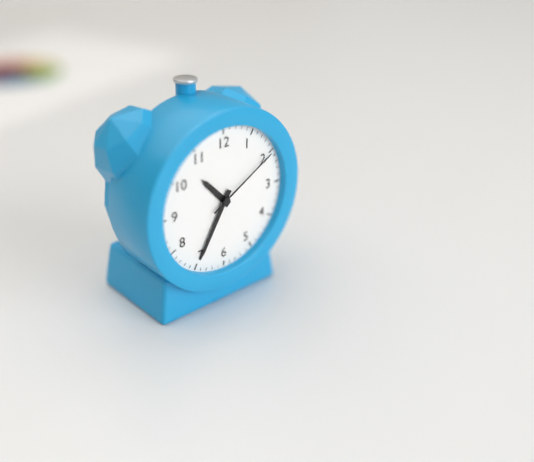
10:35:10
